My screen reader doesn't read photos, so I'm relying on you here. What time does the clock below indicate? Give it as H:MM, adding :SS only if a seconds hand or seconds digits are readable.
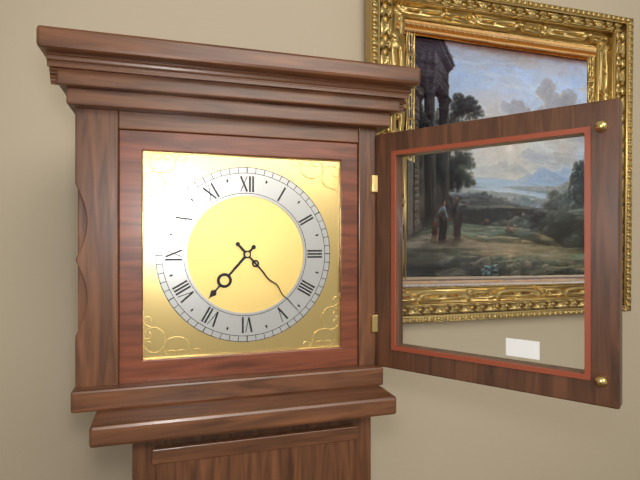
7:23
